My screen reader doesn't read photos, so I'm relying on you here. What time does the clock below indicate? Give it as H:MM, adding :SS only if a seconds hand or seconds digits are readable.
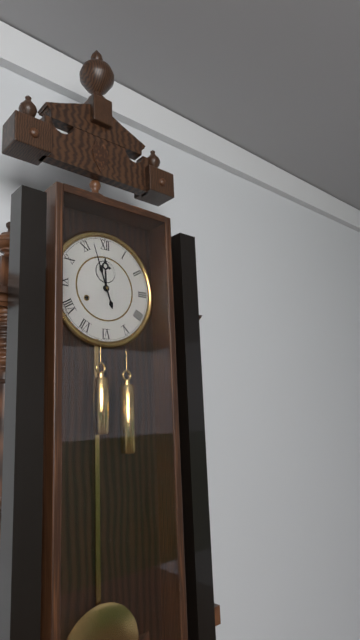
11:57
